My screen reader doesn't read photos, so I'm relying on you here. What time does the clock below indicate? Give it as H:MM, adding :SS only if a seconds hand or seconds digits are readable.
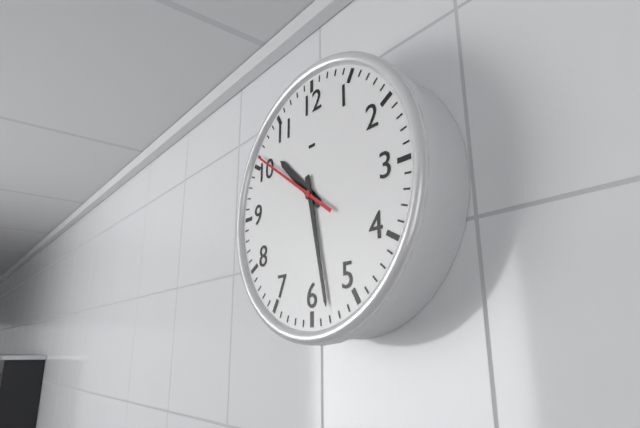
10:28:51
